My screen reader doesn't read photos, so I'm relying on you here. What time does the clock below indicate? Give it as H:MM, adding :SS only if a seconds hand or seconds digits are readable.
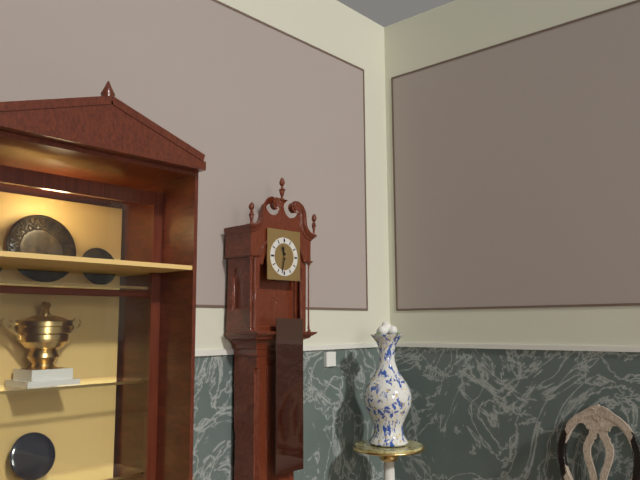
11:32
